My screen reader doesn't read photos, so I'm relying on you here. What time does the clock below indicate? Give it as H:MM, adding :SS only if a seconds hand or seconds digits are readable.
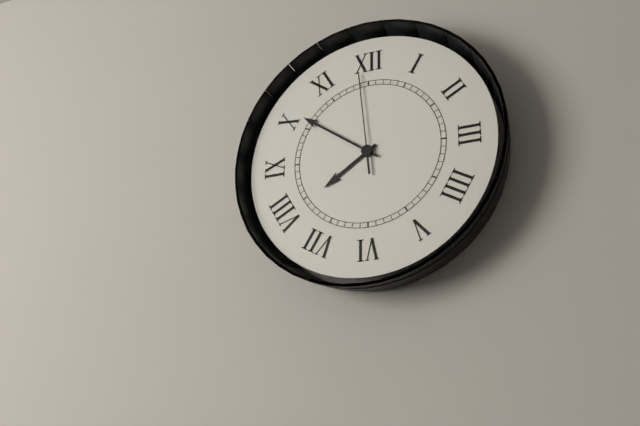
7:51:59
